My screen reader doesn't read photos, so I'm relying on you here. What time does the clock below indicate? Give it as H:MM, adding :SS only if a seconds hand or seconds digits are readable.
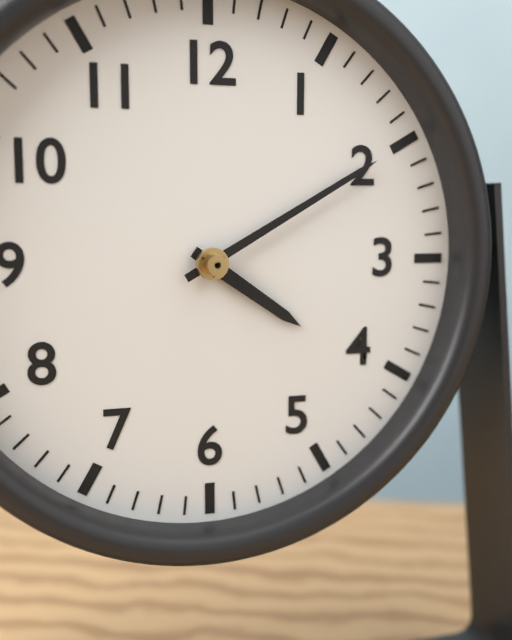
4:10
